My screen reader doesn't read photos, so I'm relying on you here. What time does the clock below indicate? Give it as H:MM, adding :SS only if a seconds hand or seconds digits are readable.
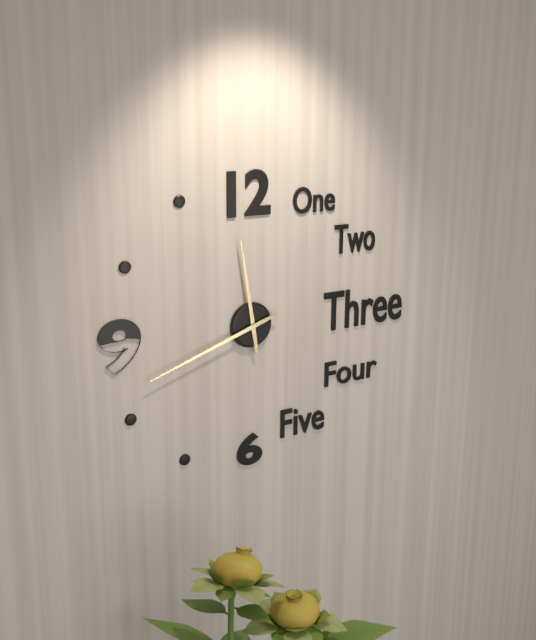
11:42
